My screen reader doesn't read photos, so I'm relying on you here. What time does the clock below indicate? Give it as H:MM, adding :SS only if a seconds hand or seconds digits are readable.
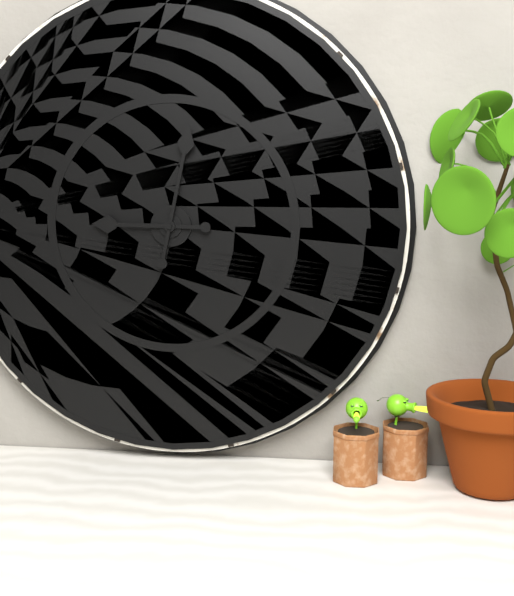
9:02
